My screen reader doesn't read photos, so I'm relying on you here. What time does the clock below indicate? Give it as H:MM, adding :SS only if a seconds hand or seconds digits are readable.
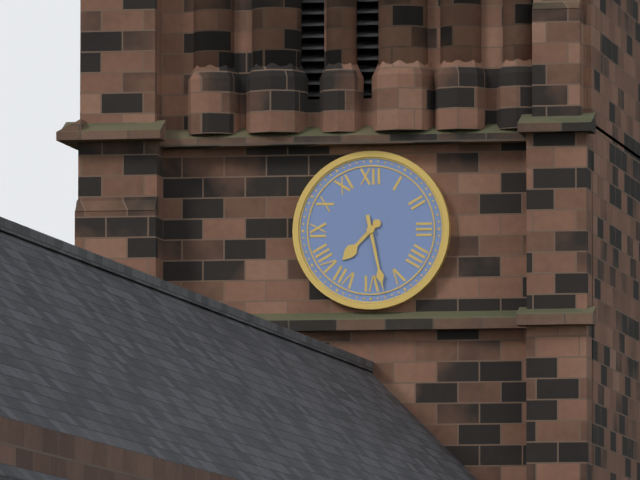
7:28
